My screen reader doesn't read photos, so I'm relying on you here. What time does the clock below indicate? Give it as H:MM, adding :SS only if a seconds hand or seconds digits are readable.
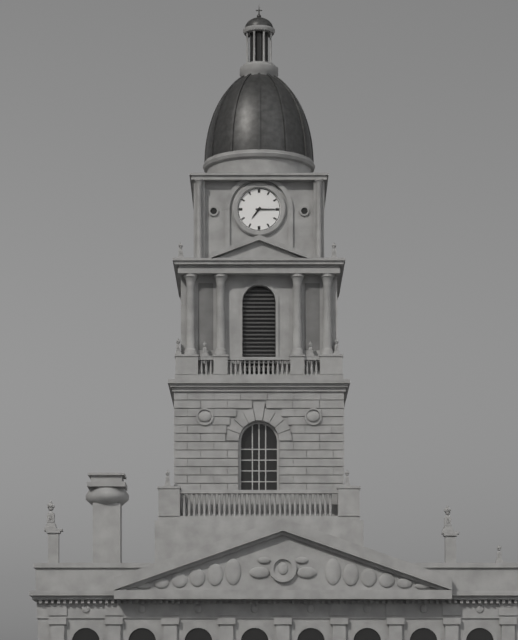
7:15
